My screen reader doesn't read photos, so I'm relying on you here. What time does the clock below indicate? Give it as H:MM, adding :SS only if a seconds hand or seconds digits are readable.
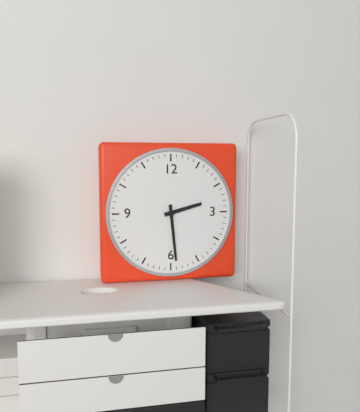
2:29
